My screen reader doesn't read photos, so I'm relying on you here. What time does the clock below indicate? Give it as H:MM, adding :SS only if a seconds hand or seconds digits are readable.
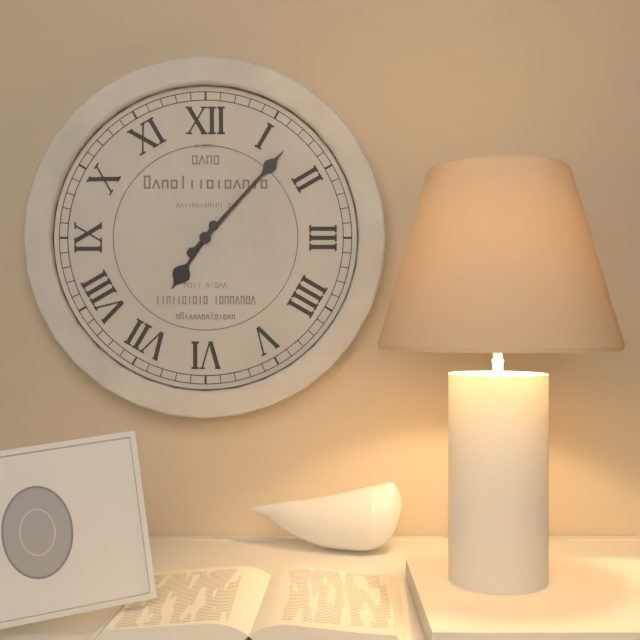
7:07
